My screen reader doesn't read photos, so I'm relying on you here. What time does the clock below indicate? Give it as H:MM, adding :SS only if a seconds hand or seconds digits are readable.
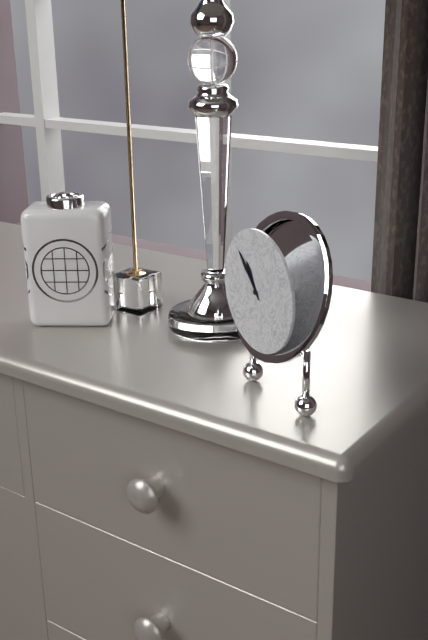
10:53
